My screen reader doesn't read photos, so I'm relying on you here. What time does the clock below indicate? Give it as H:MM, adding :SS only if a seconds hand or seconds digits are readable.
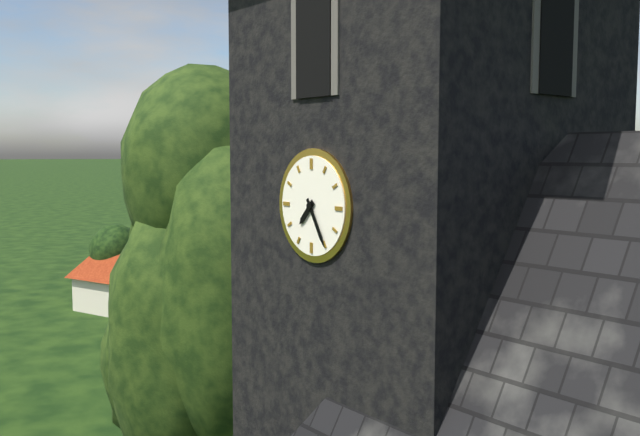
7:25
